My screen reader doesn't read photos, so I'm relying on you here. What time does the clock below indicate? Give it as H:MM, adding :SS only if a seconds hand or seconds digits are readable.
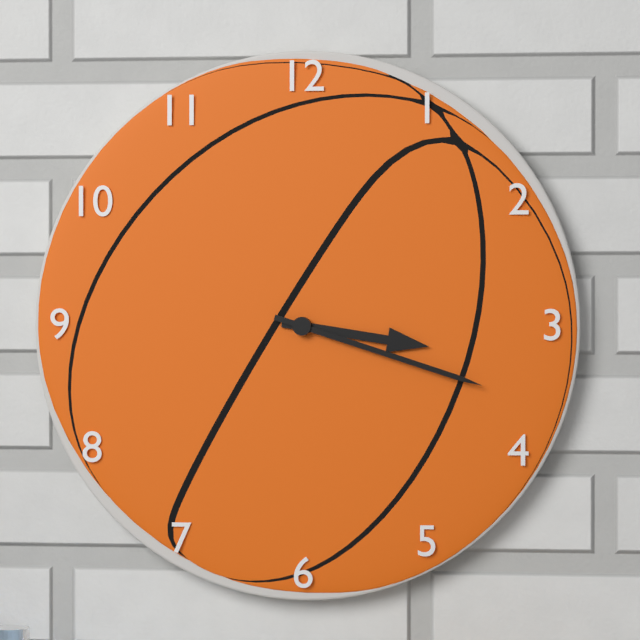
3:18
